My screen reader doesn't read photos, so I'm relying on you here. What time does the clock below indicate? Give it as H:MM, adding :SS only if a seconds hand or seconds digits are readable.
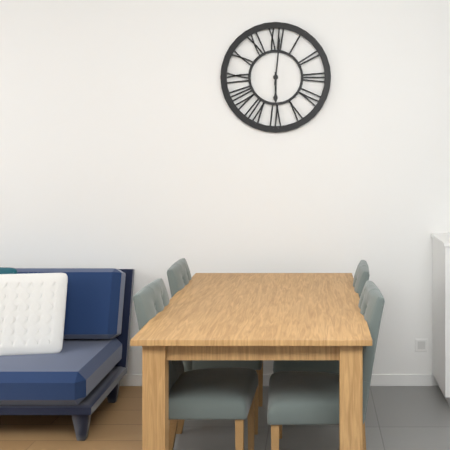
6:01
